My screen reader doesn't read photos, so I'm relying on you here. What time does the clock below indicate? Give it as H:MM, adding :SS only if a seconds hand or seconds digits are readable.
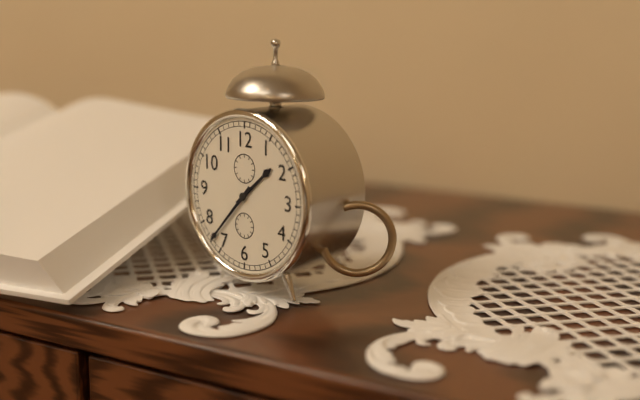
1:37
